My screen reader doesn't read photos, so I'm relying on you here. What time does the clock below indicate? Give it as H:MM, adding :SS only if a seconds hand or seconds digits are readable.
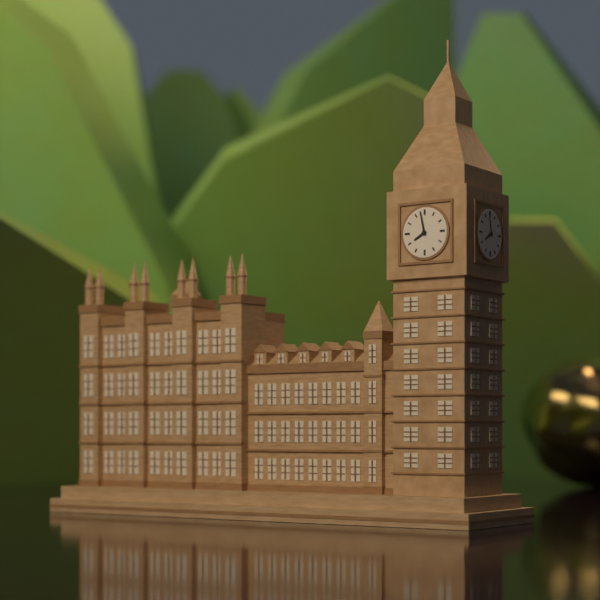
7:58
